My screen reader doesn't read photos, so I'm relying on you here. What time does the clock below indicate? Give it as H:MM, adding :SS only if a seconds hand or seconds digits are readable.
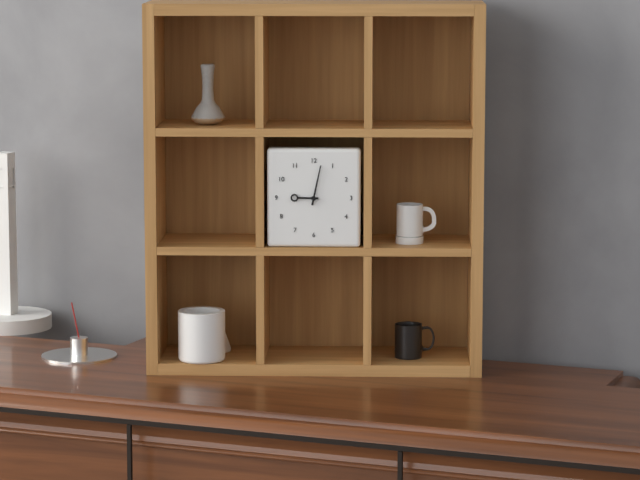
9:02
